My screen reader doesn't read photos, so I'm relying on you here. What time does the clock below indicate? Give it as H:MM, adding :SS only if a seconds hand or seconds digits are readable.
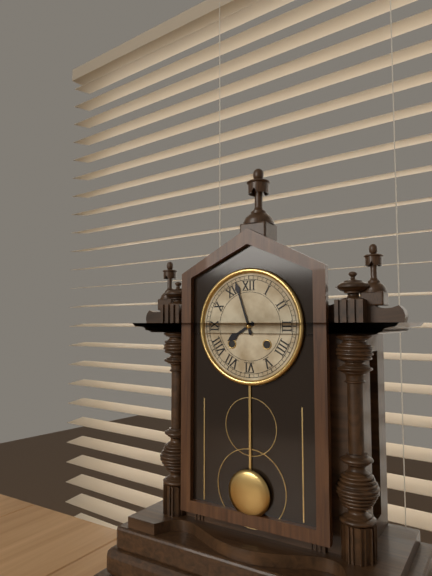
7:57
